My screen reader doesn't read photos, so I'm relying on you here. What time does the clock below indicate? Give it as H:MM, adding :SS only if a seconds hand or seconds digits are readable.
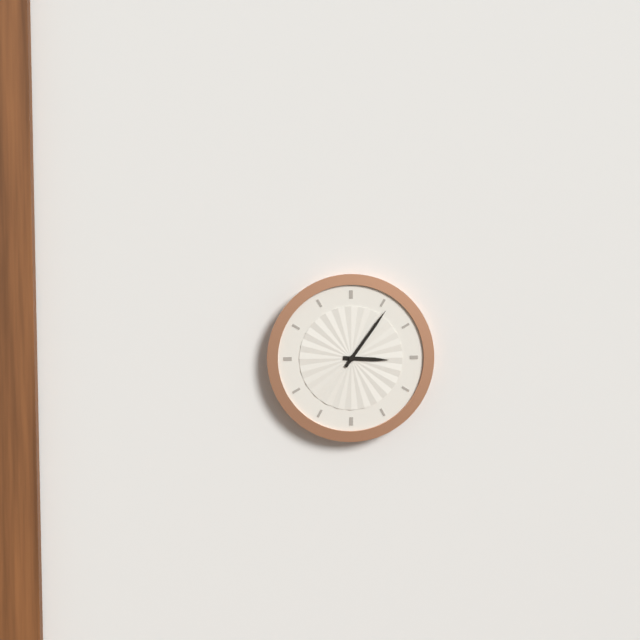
3:06
